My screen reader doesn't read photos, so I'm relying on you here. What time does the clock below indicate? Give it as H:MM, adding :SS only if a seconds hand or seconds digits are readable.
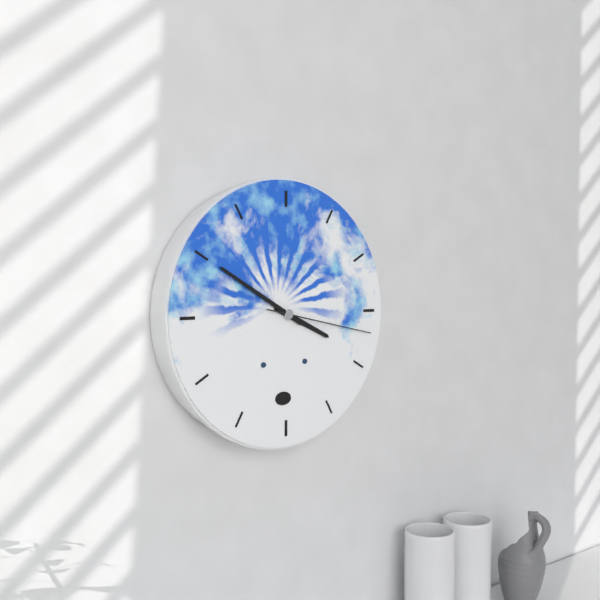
3:50:17
